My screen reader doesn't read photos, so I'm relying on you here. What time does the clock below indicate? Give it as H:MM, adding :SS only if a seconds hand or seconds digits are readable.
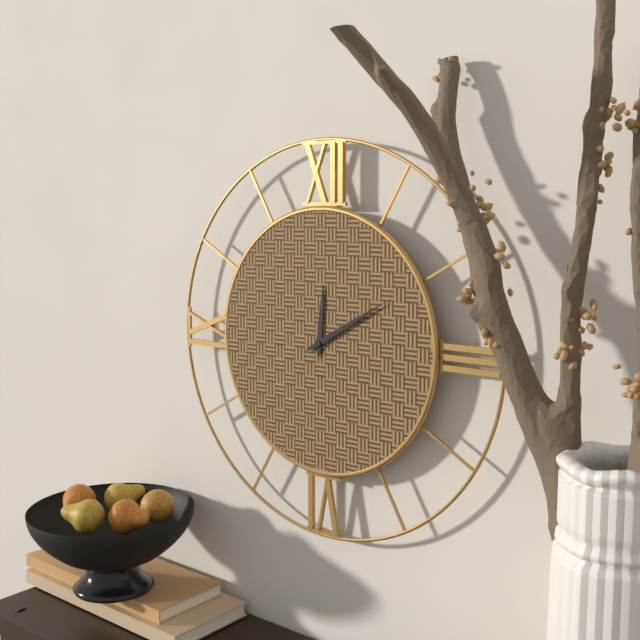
12:10
